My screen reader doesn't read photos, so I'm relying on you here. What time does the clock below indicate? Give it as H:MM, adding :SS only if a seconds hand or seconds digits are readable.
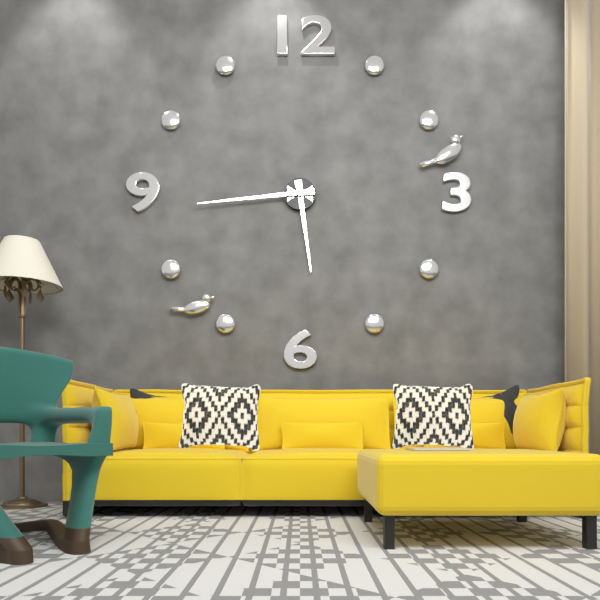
5:44
